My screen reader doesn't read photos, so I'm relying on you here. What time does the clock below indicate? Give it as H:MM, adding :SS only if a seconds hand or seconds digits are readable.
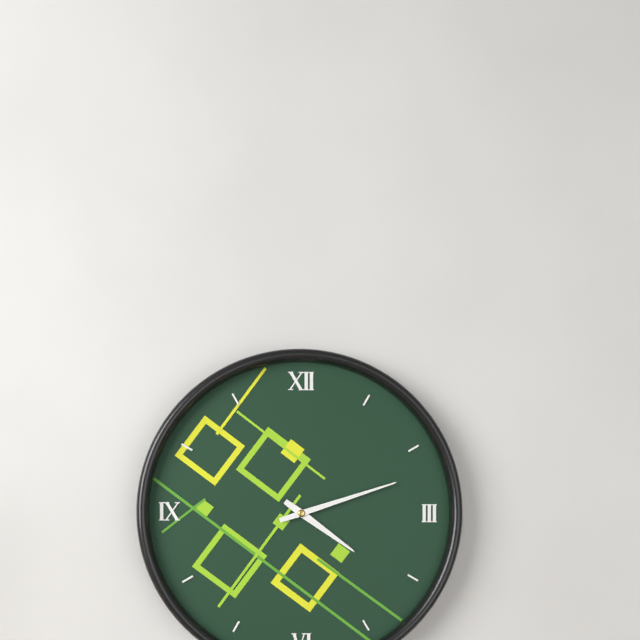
4:12
